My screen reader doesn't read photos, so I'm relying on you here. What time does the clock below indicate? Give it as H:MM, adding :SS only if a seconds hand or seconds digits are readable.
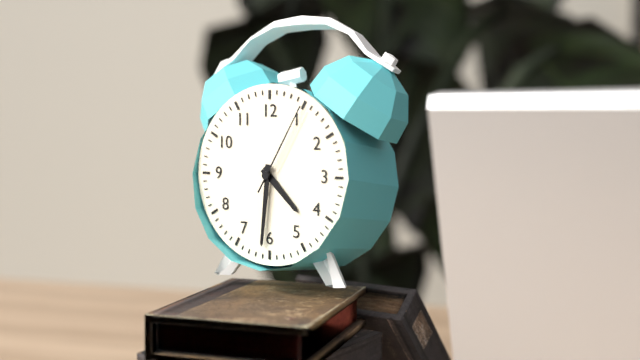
4:31:05
